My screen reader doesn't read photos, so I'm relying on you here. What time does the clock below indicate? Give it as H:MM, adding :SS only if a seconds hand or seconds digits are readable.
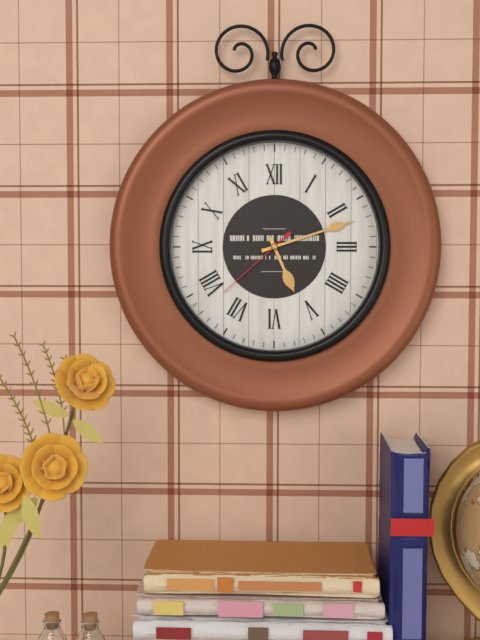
5:12:38
